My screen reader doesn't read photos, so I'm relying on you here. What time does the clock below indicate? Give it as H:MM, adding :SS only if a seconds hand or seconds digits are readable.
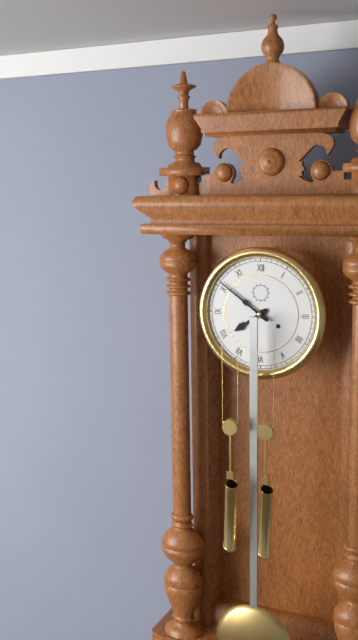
7:51
